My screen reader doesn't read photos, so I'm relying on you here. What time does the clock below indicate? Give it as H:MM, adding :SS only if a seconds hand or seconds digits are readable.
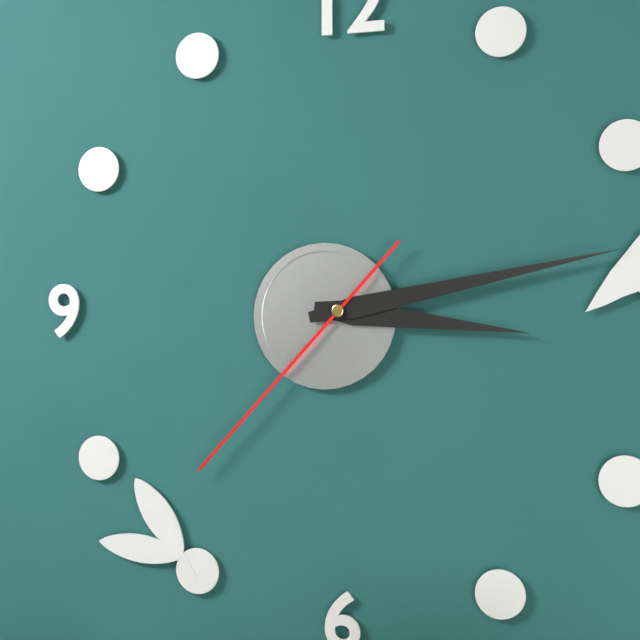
3:13:37
